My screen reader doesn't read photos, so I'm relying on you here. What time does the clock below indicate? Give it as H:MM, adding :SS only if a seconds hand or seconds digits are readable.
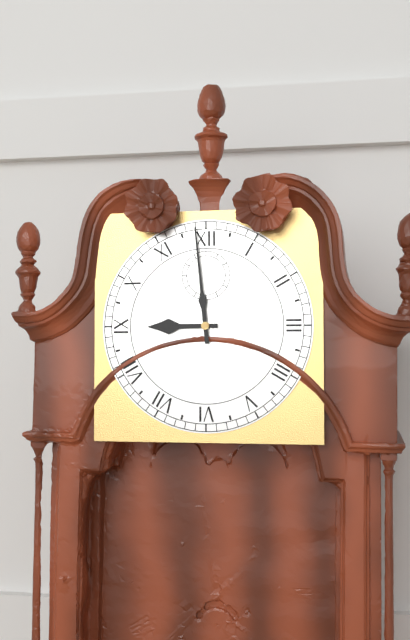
8:59
